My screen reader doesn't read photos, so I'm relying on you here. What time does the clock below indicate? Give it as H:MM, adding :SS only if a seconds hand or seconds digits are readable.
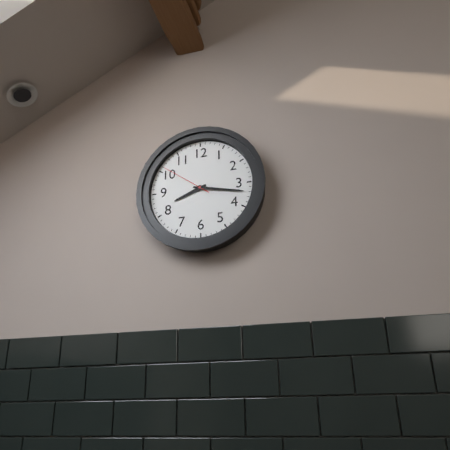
8:17:51
